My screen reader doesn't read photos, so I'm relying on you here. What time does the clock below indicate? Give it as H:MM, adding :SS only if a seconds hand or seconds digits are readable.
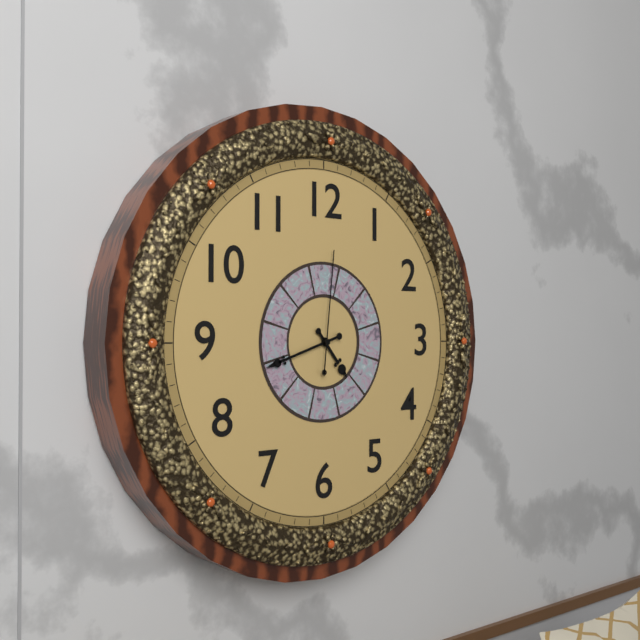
4:42:01
